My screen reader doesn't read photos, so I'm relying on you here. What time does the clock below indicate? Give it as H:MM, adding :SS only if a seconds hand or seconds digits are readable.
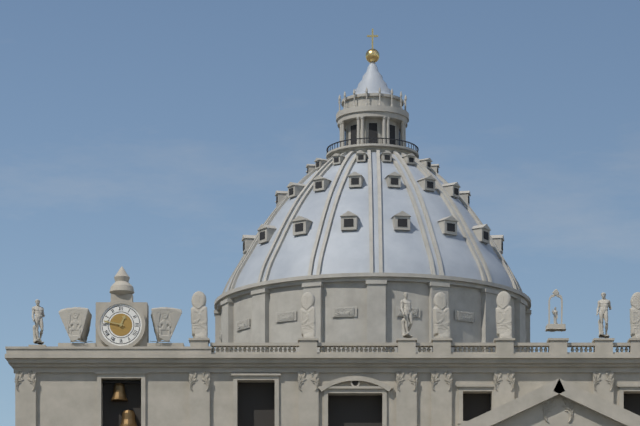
12:47
